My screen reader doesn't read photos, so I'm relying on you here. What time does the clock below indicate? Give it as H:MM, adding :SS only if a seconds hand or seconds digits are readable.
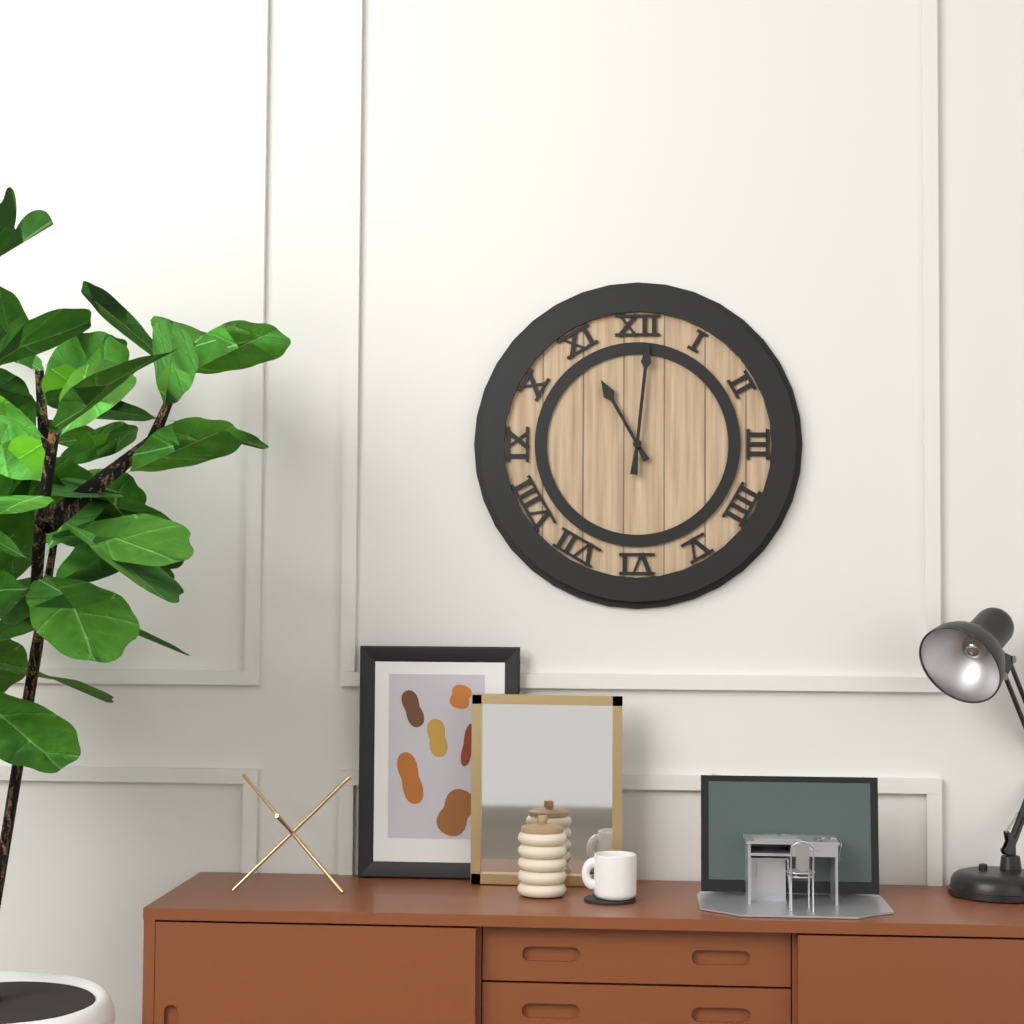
11:01
